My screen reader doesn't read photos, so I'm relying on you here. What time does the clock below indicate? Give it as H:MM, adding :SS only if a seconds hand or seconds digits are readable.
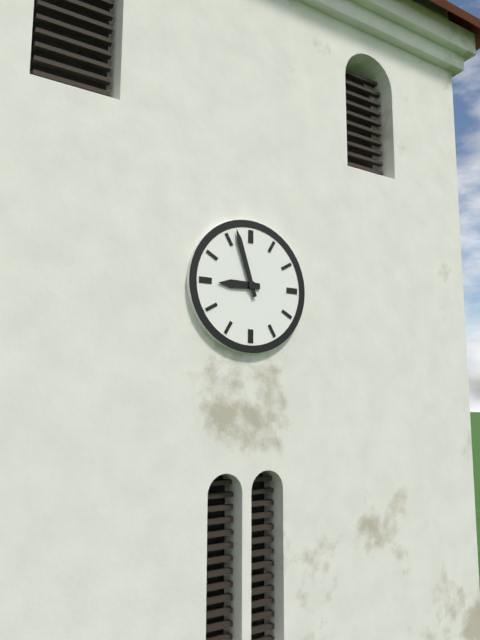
8:57
